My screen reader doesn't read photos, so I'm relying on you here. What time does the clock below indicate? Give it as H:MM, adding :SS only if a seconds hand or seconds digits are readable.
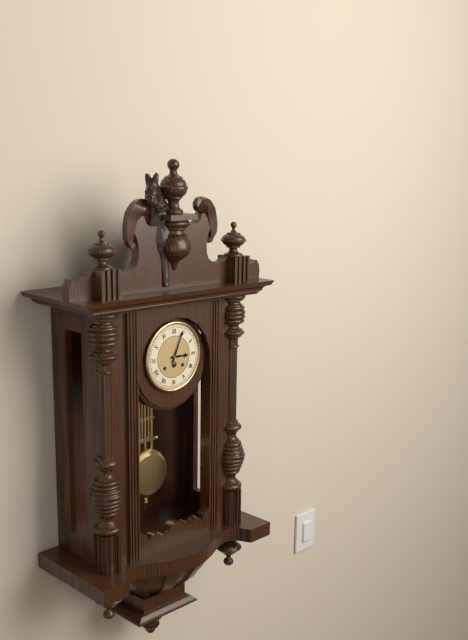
3:04
